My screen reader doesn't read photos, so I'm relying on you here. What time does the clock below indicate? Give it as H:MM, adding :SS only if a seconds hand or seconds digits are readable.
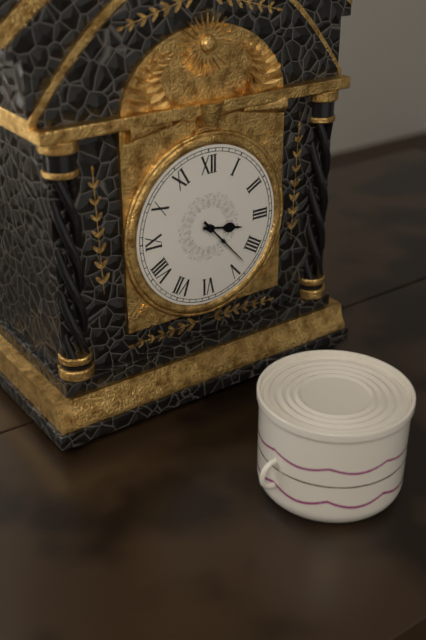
3:23
